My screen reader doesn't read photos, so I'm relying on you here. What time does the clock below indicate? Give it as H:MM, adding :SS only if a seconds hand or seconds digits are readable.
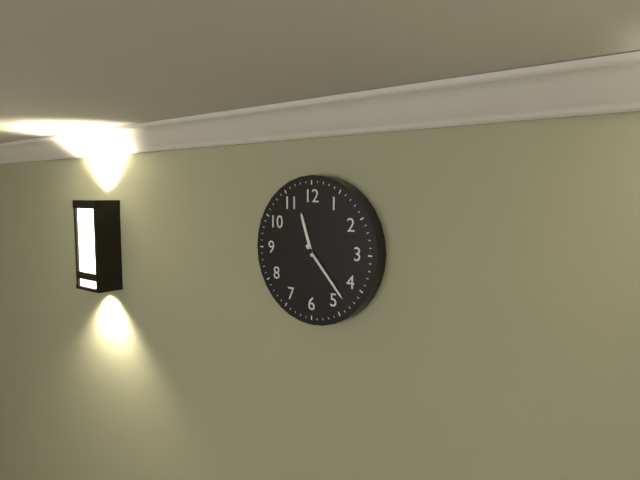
11:23
